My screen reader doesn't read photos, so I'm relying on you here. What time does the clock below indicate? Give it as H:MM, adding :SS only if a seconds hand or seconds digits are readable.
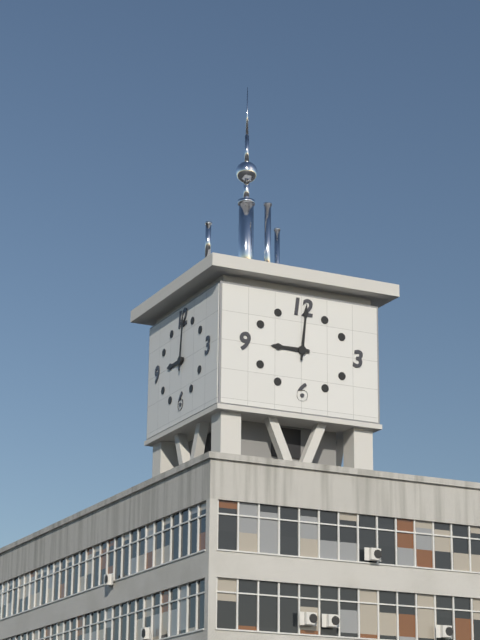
9:01
